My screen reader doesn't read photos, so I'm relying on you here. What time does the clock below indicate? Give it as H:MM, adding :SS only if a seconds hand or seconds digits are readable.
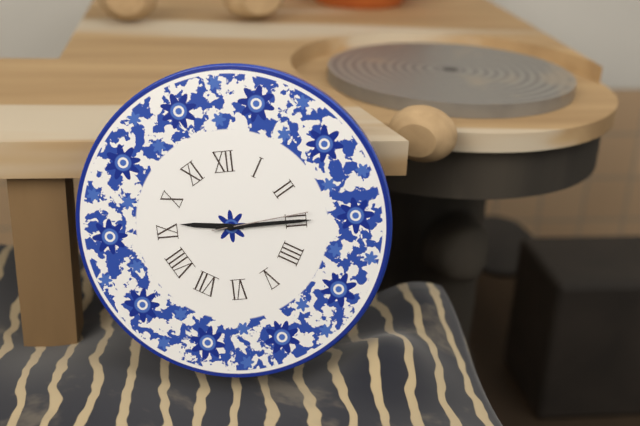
9:15:14
